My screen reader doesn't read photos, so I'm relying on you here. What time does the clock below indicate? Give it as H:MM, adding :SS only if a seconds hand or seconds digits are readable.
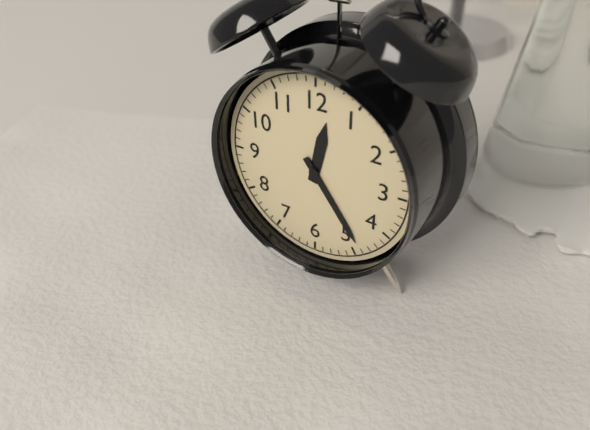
12:24
